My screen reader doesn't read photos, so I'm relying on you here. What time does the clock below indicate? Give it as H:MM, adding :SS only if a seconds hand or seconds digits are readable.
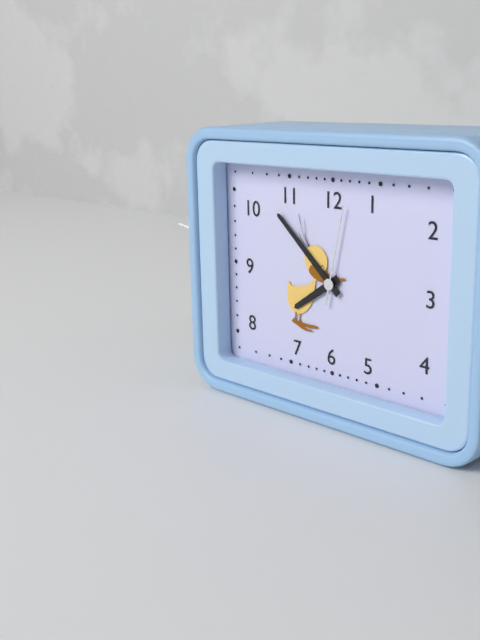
7:52:02
